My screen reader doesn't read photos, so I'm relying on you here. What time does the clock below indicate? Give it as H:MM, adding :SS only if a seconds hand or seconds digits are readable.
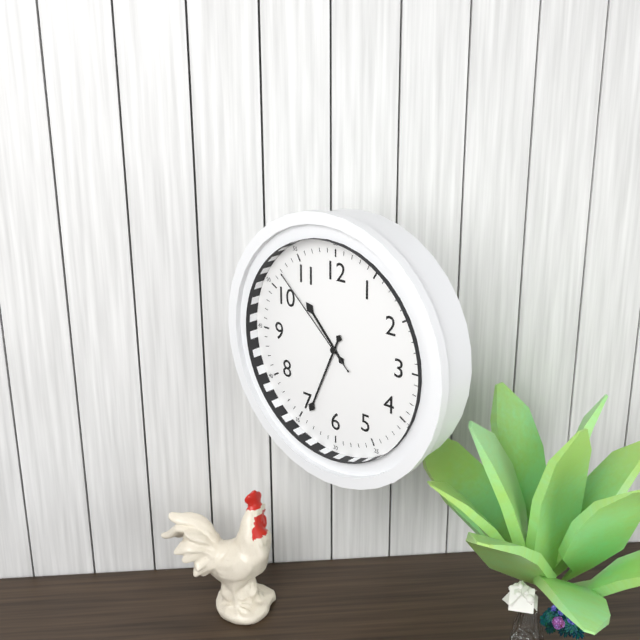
10:34:52
